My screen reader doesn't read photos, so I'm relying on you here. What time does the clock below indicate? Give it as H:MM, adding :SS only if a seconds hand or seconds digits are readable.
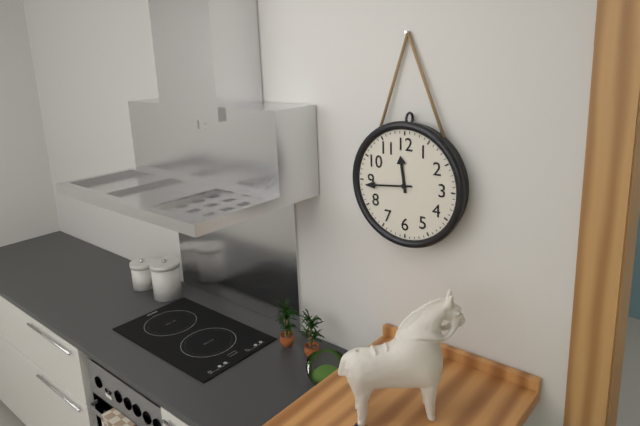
11:44
